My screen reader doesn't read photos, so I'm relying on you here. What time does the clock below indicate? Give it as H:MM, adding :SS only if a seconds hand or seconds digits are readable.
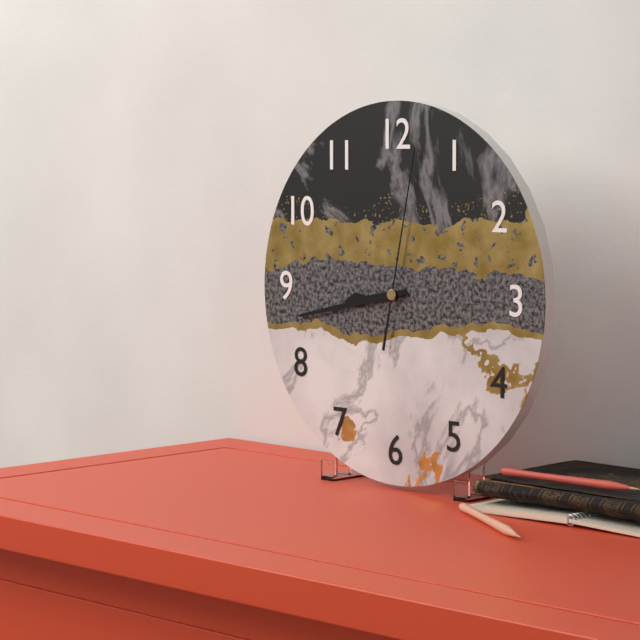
8:43:02
